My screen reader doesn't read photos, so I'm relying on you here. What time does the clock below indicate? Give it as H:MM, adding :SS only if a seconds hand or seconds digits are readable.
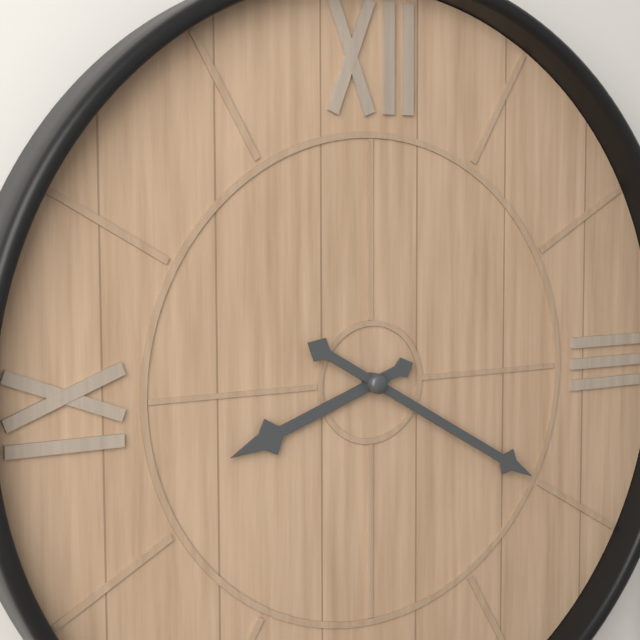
8:20
